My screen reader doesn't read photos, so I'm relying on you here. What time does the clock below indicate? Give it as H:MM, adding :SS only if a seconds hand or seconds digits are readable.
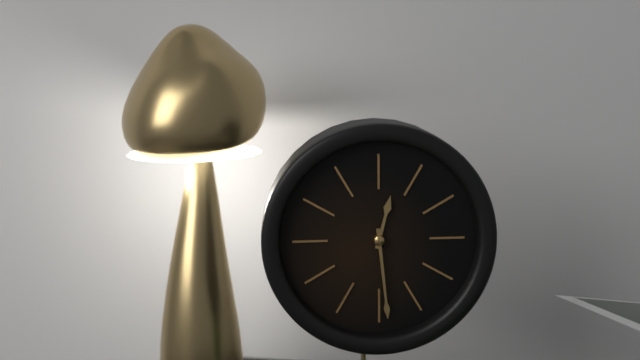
12:29
